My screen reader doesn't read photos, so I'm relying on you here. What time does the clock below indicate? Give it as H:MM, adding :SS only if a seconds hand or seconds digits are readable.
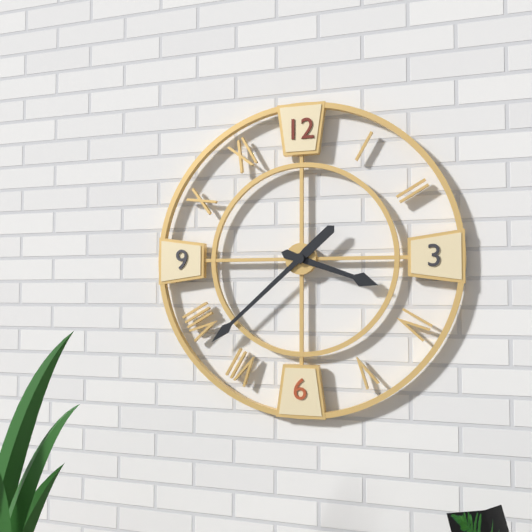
3:38
